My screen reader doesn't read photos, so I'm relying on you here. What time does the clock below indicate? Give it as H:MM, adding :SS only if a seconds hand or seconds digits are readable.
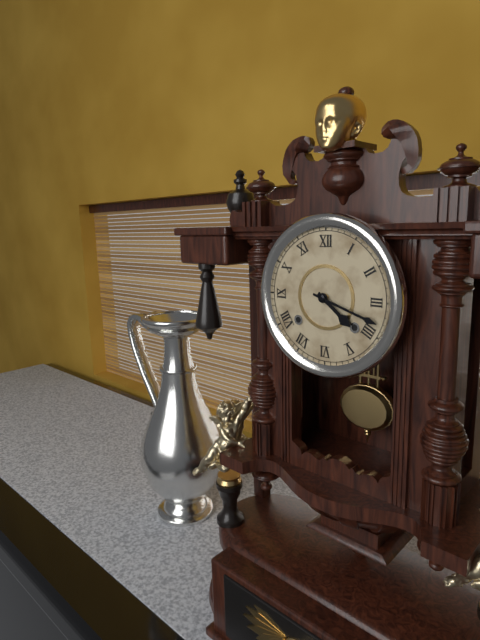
4:18
